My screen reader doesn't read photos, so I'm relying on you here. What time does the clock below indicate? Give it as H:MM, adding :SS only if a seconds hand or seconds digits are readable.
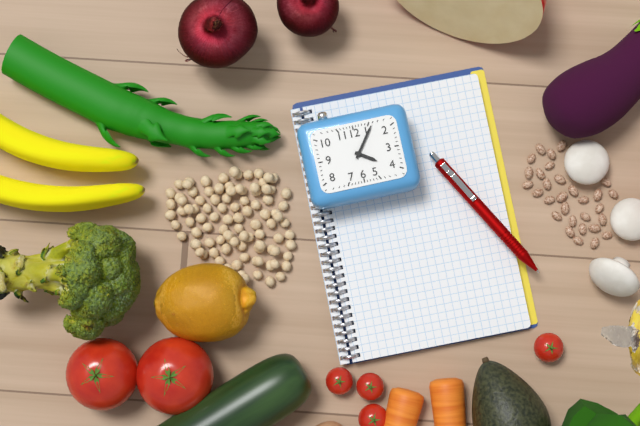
4:06
